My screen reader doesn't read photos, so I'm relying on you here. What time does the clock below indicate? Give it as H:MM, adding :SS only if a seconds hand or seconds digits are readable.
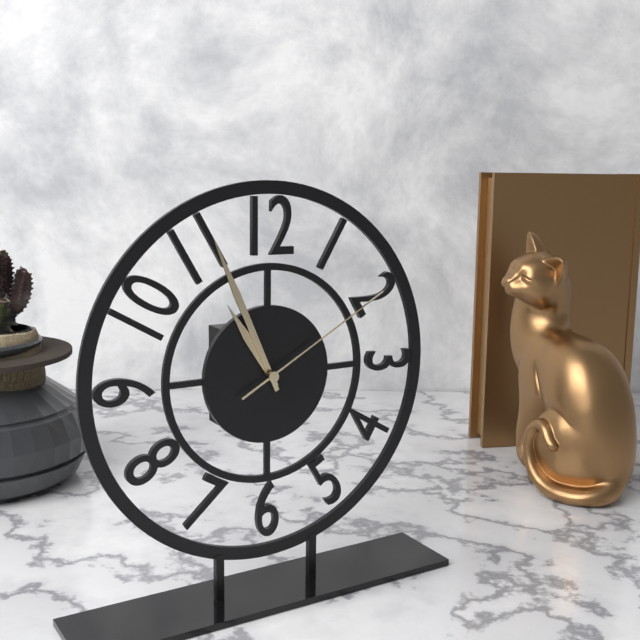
10:56:10
